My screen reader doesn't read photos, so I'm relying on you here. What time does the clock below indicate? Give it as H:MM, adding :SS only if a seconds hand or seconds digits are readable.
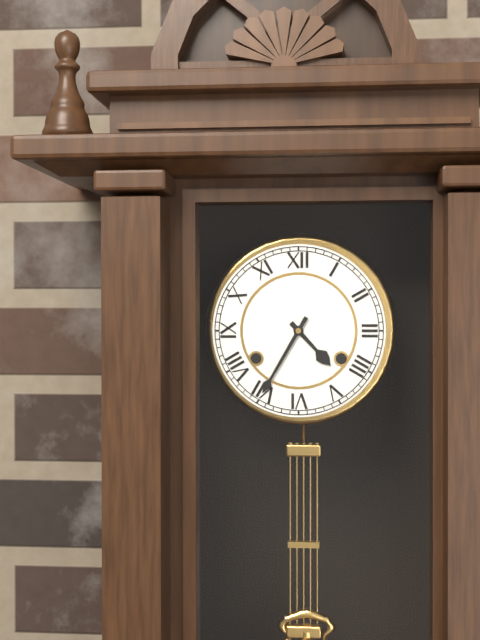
4:35
